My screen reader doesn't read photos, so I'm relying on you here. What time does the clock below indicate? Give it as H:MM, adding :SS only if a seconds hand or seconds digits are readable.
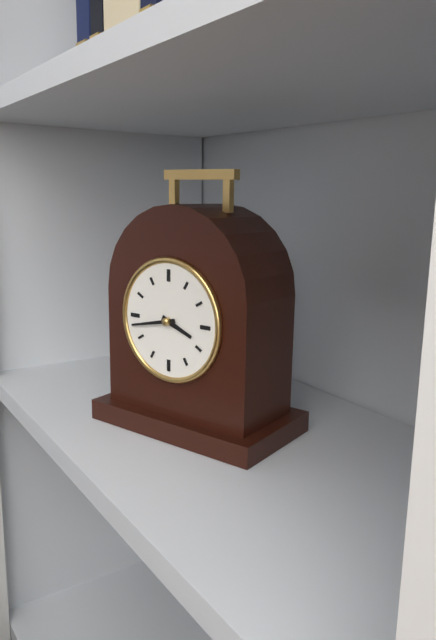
3:43
